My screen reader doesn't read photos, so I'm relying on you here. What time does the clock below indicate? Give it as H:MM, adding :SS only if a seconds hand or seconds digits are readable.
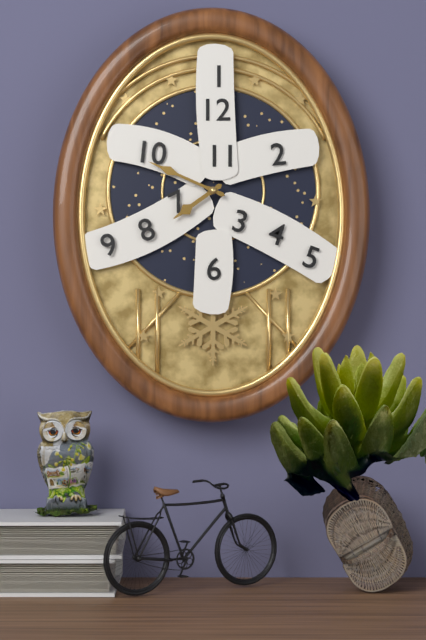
7:49
